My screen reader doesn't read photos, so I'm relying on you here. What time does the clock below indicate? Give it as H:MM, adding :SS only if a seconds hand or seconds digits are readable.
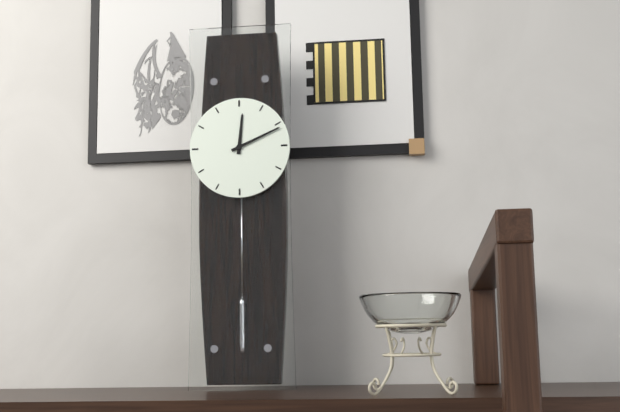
12:11
